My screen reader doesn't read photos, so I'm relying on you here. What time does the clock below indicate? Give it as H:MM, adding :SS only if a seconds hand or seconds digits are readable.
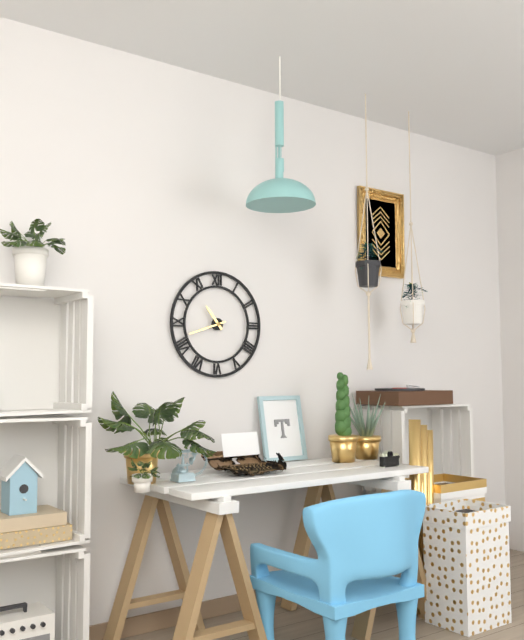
10:42
